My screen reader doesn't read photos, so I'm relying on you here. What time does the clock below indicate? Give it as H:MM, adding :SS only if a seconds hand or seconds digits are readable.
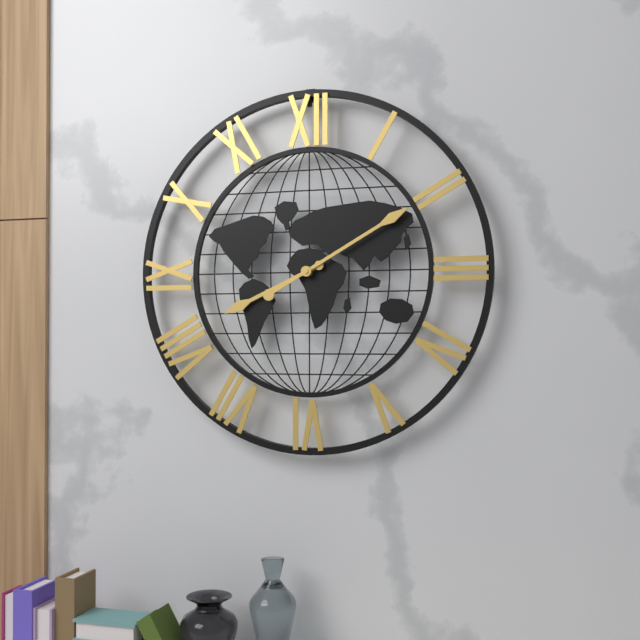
8:10
